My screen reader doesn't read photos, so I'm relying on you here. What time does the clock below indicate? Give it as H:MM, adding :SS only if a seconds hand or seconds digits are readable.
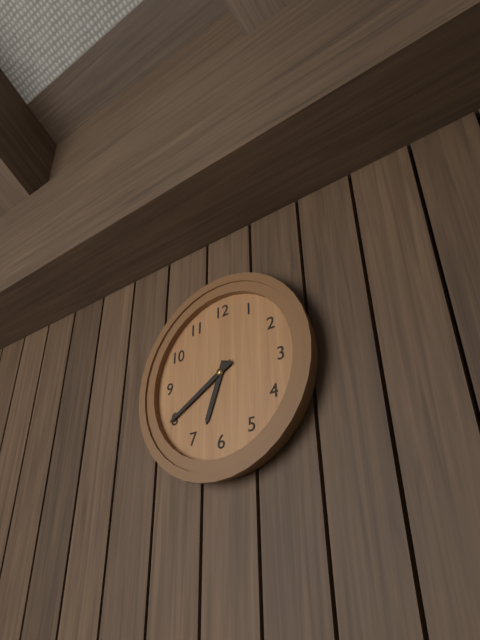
6:40
